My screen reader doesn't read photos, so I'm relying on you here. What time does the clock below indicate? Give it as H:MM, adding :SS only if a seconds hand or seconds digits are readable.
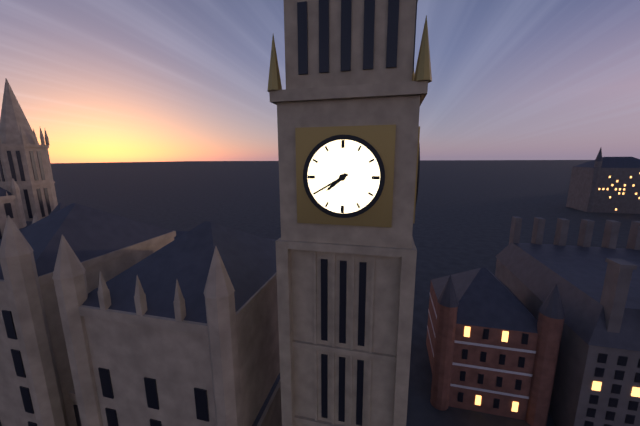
7:40
